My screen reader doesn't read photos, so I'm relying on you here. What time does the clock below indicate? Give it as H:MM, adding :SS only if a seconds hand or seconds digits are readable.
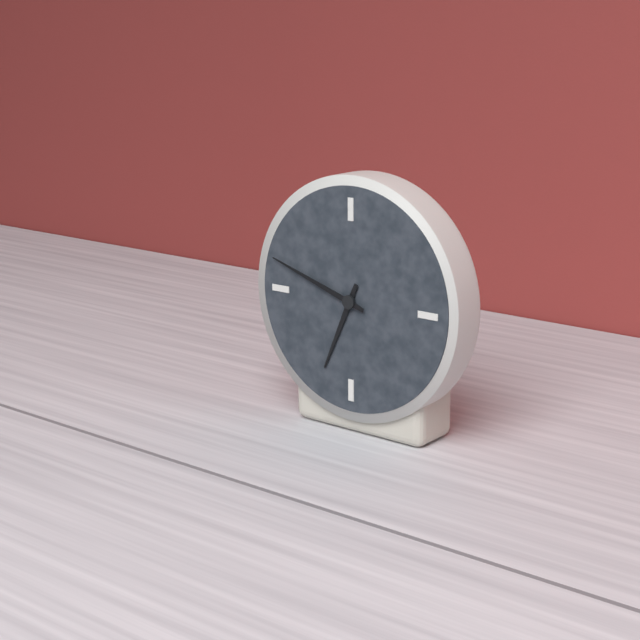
6:48
